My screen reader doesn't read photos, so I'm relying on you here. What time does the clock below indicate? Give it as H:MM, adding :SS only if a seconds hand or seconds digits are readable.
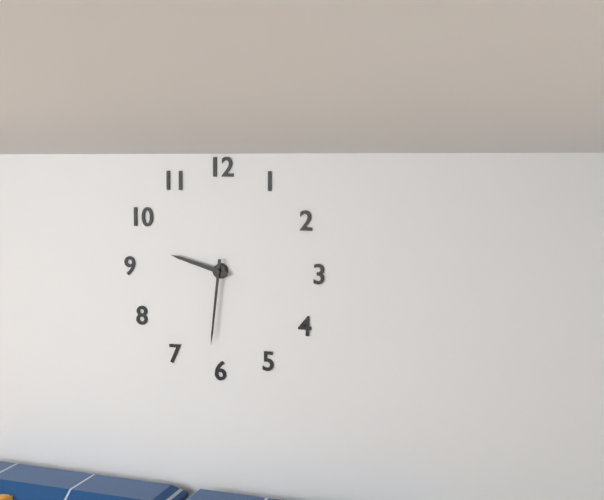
9:31
